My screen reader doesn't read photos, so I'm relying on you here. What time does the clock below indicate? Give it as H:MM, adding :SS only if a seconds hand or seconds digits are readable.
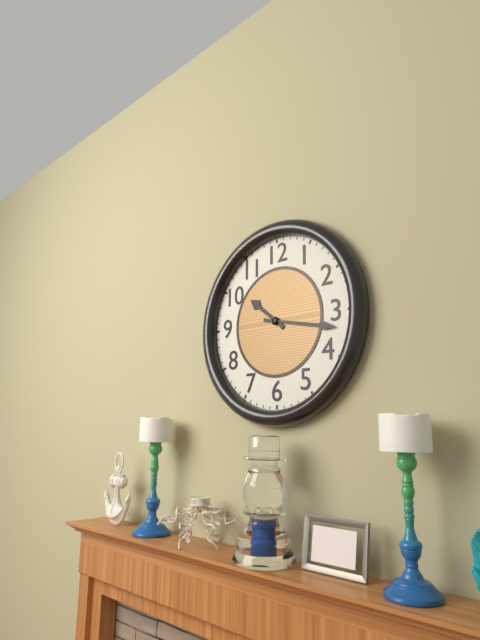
10:17
